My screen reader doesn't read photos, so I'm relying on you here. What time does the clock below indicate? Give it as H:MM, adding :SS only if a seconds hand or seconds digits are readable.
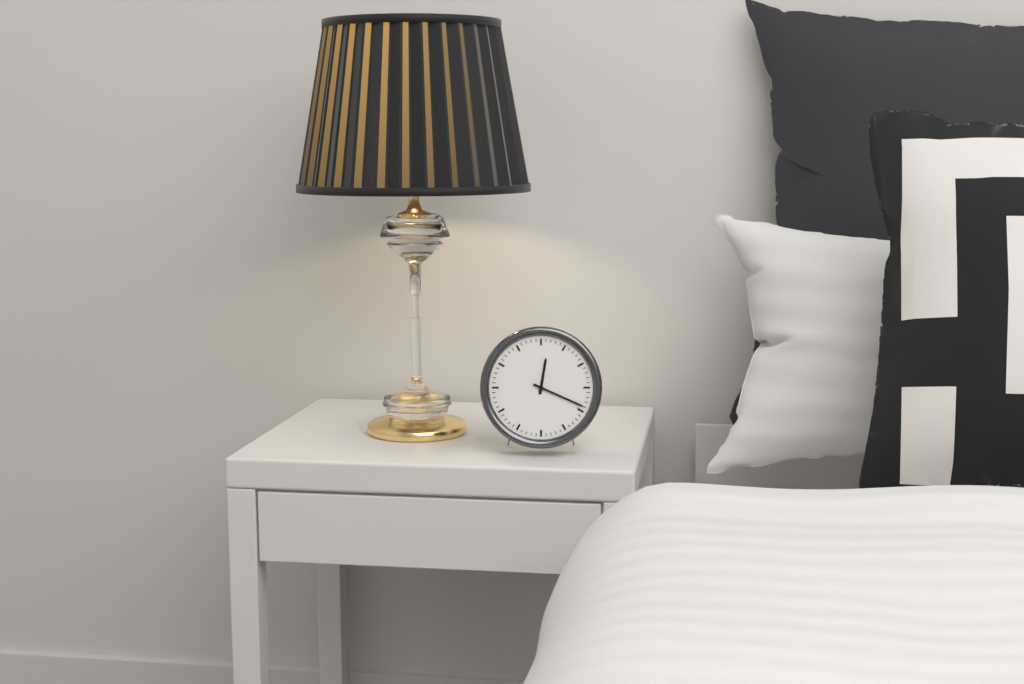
12:19
